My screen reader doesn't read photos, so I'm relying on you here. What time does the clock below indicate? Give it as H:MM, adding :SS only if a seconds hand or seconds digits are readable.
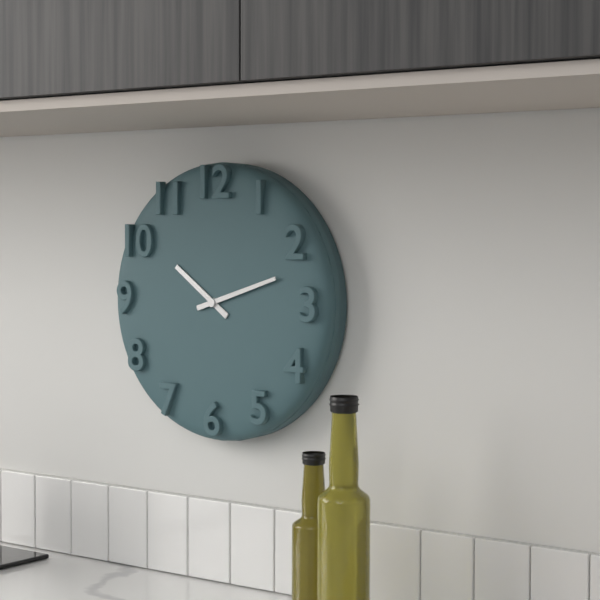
10:12
